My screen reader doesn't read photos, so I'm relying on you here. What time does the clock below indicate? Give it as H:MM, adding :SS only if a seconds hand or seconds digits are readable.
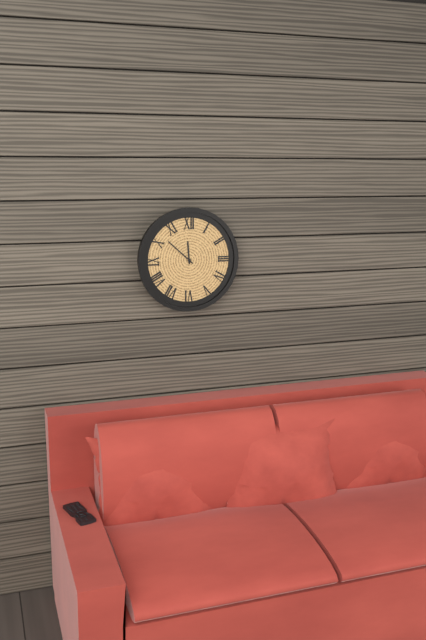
11:52
